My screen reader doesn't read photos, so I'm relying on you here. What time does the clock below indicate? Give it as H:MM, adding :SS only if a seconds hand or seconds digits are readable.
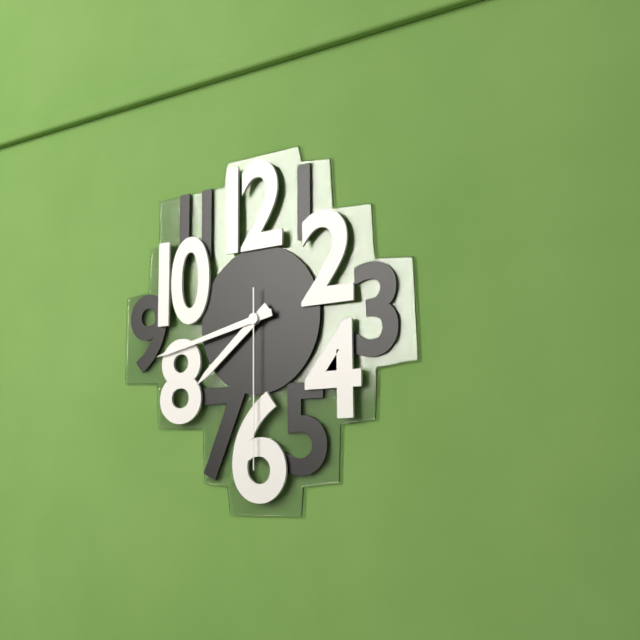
7:43:30
